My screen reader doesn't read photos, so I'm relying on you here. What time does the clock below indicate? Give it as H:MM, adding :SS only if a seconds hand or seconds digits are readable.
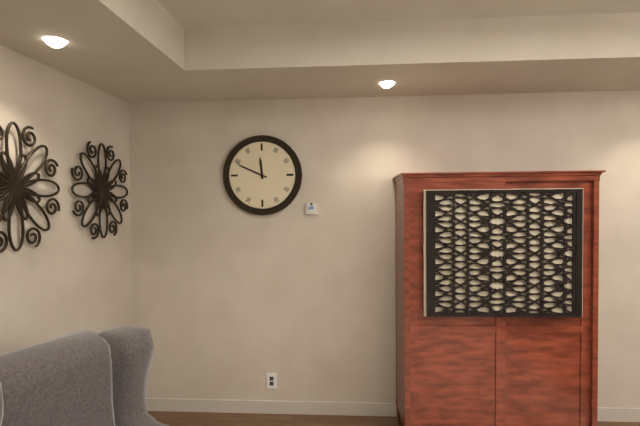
11:49
